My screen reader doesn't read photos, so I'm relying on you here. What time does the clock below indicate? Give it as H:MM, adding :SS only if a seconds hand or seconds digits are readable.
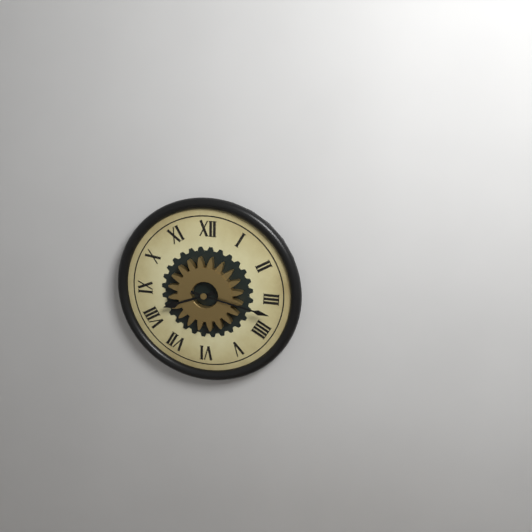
8:17
